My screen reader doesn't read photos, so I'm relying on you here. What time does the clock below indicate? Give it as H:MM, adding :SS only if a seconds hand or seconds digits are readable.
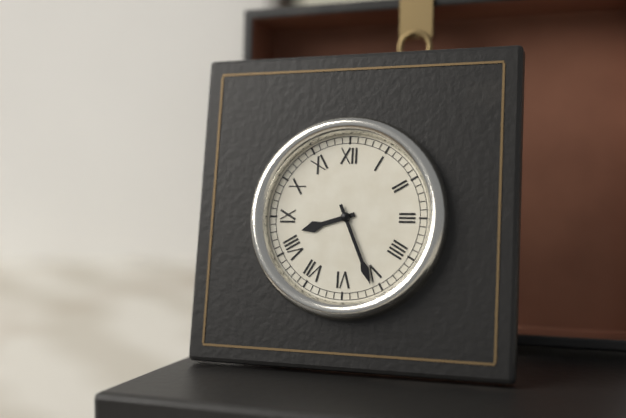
8:26
